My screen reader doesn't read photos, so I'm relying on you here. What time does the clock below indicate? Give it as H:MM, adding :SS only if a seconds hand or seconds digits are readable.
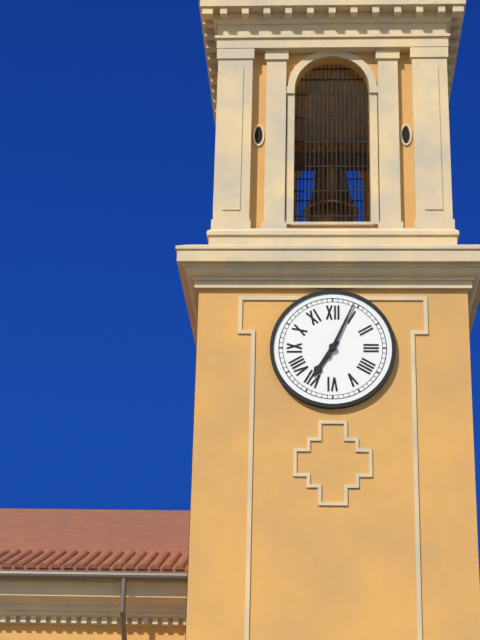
7:04
